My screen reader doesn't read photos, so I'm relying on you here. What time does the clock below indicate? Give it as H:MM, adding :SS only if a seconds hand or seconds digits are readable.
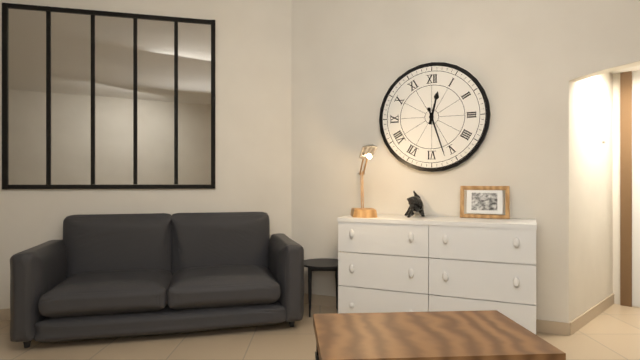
12:27
